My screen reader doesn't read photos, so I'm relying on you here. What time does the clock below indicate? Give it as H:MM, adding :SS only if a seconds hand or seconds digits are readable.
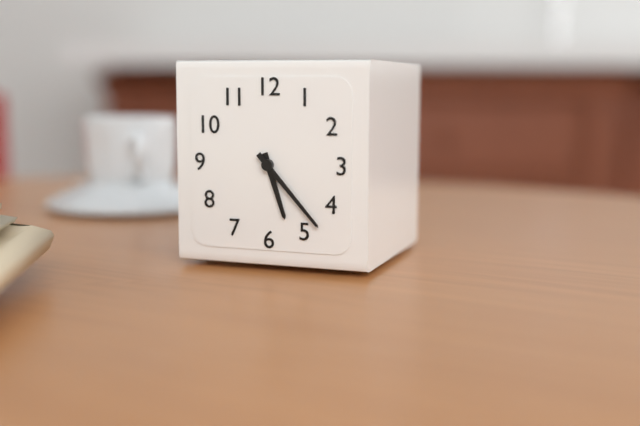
5:23
